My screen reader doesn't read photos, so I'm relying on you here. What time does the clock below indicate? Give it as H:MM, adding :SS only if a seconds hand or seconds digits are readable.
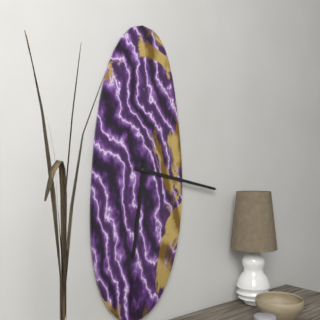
6:17
